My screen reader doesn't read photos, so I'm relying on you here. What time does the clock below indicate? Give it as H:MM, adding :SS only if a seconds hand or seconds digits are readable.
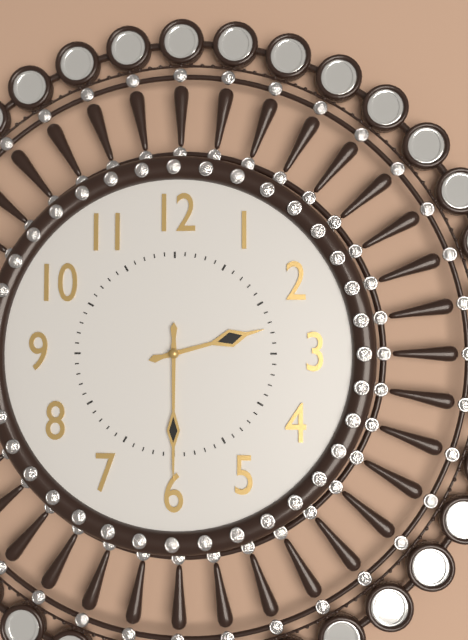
2:30
